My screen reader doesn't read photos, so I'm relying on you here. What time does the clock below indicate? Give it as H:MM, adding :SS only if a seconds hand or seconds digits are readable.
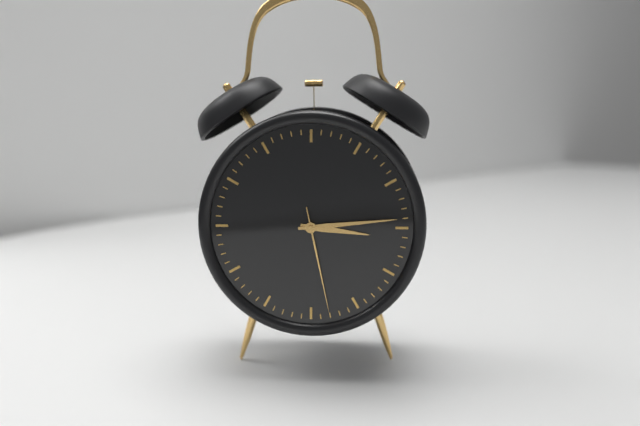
3:14:28
